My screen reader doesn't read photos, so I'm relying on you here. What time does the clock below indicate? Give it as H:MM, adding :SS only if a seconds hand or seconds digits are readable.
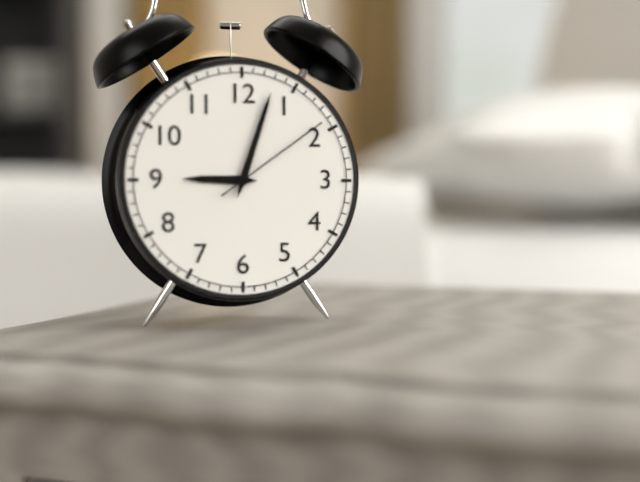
9:03:09
